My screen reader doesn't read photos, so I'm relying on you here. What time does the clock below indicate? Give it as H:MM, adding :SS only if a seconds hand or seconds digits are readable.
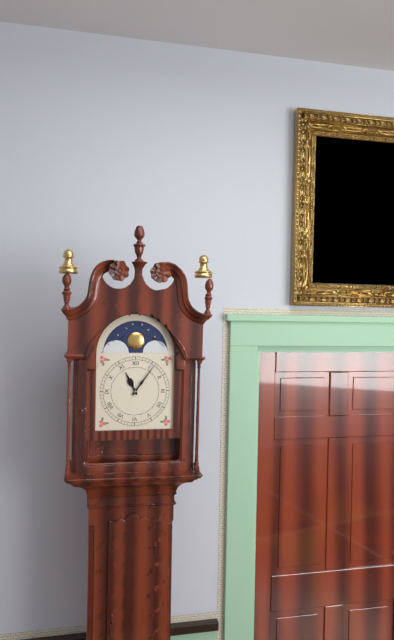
11:06
